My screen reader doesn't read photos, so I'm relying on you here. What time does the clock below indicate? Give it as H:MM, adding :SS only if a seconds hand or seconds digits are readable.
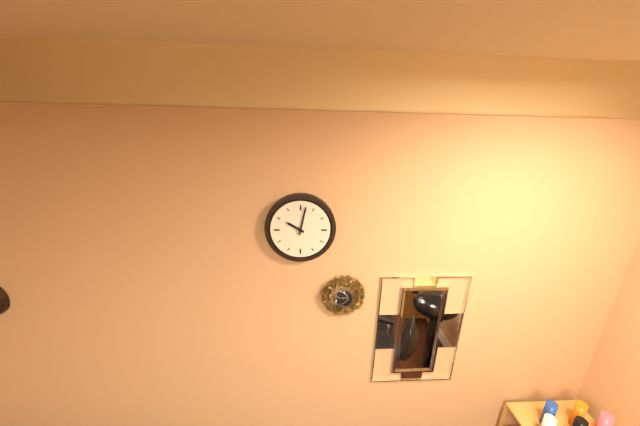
10:02
